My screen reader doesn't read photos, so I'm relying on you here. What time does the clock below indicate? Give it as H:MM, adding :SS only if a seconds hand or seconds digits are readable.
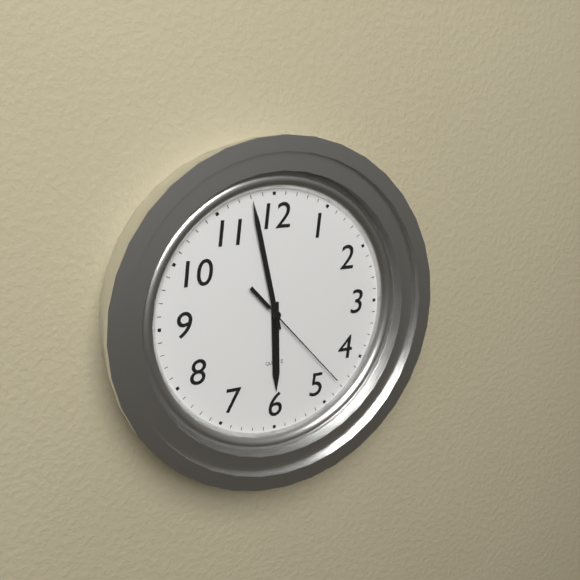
5:58:23
